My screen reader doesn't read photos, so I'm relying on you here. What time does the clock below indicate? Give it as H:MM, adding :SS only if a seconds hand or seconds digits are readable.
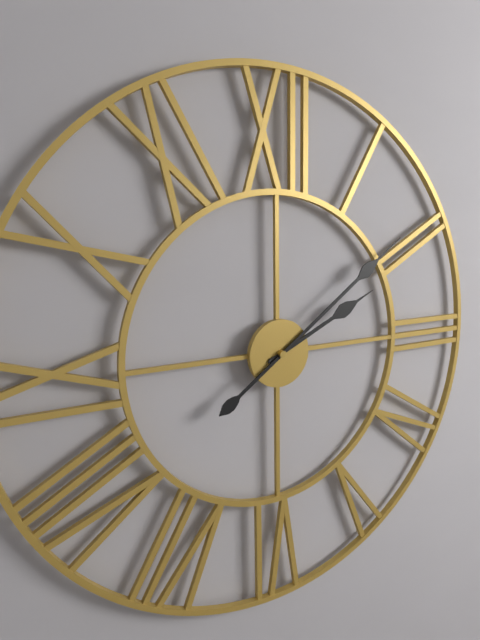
2:09
